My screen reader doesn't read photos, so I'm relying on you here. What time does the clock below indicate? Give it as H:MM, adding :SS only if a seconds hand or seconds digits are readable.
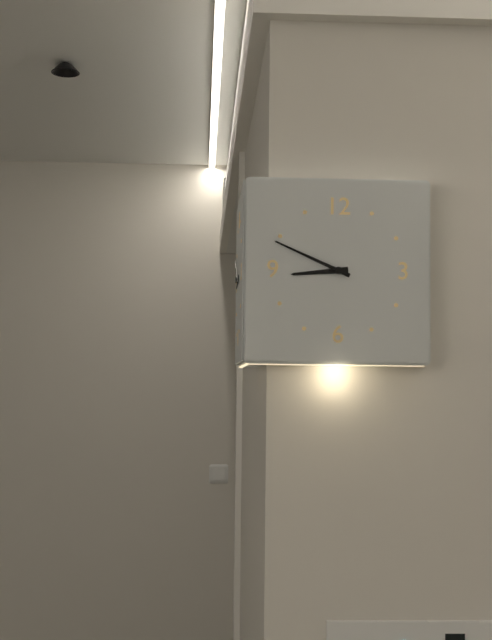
8:49
